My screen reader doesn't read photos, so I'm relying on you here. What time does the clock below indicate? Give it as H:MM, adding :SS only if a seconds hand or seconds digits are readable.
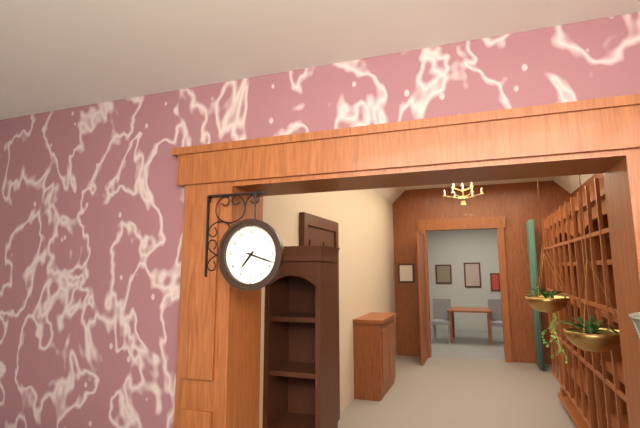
7:18
